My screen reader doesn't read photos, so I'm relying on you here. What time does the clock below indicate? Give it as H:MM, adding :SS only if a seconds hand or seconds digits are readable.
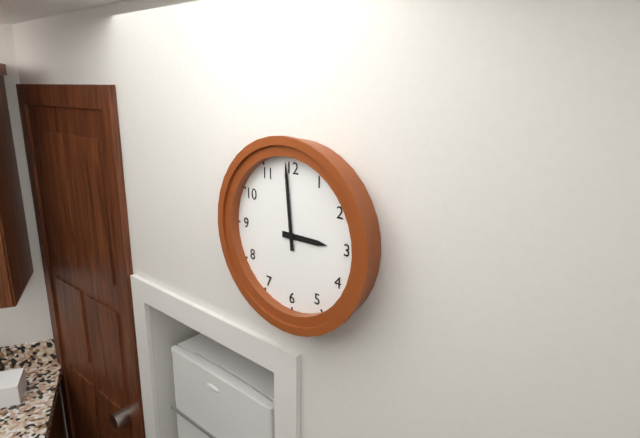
2:59
